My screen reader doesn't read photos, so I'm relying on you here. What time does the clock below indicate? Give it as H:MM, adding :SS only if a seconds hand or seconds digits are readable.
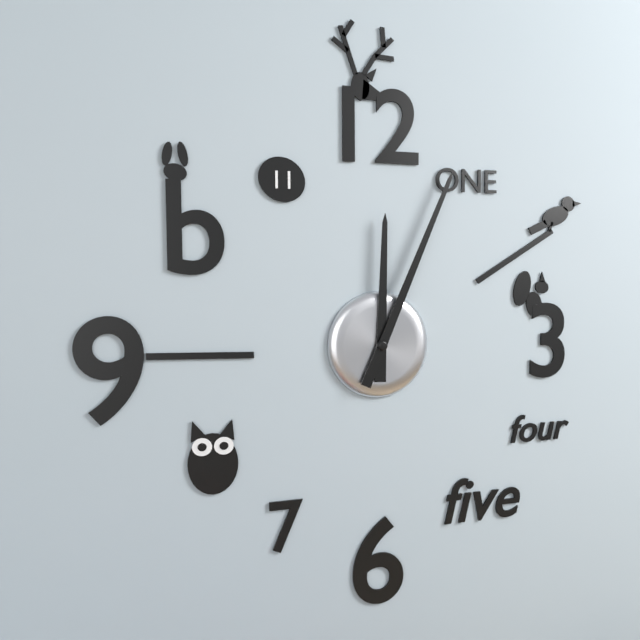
12:04
